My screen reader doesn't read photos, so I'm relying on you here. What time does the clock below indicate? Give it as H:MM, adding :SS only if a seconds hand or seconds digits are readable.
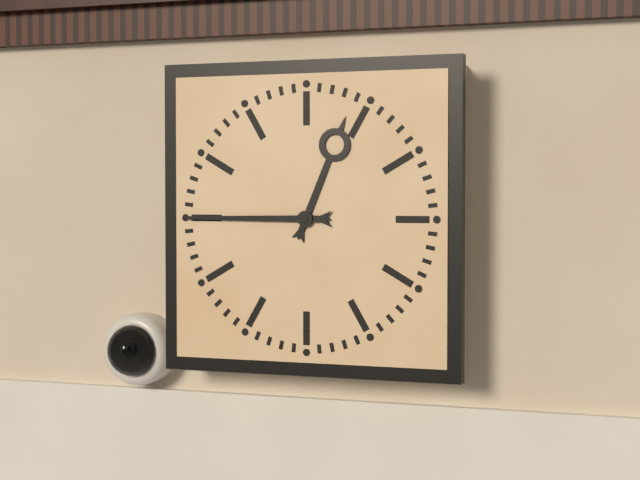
12:45
